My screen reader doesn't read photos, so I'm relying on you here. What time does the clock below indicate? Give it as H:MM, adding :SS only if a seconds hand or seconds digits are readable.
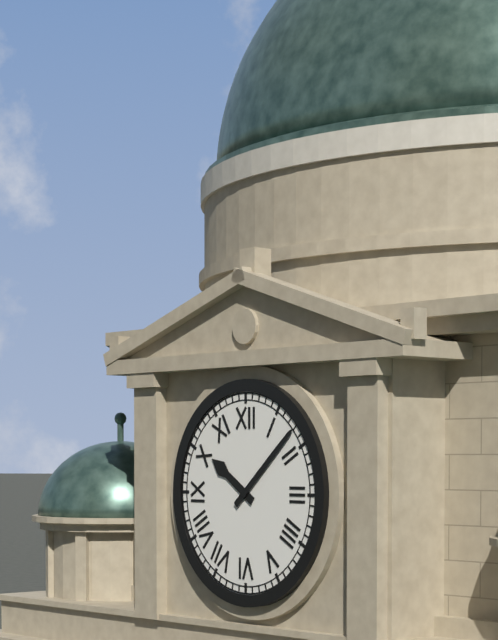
10:08
